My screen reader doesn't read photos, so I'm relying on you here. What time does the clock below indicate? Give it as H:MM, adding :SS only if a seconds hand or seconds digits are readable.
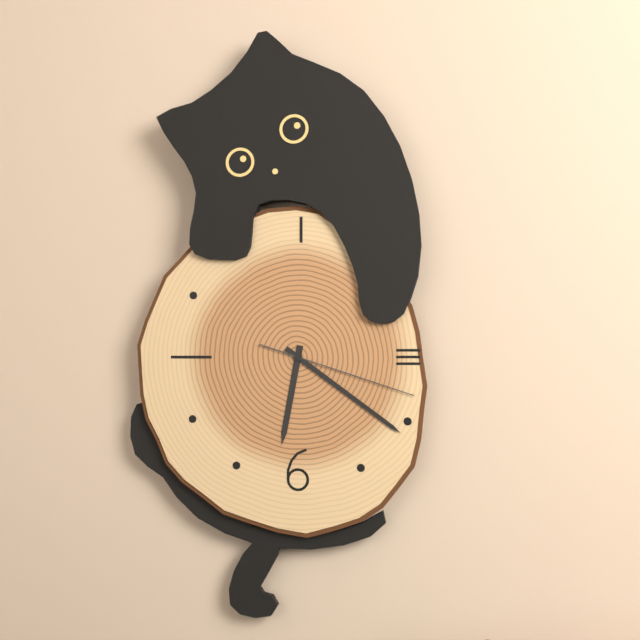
6:21:18
